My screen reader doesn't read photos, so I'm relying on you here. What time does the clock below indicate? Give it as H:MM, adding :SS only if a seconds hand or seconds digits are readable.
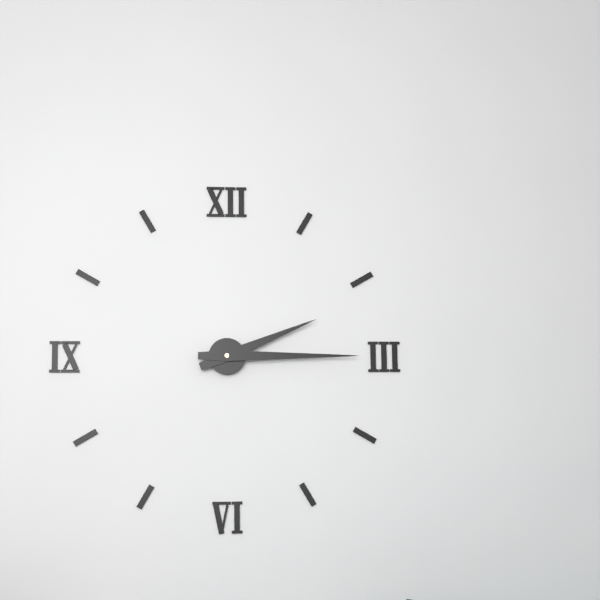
2:15
